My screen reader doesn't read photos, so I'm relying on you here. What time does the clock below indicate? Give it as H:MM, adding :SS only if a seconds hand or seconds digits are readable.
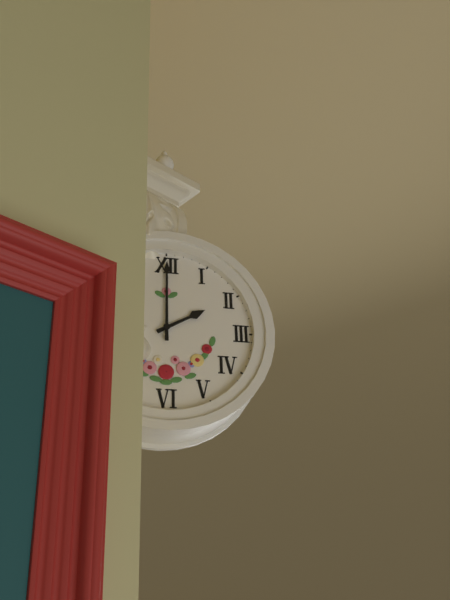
2:00
